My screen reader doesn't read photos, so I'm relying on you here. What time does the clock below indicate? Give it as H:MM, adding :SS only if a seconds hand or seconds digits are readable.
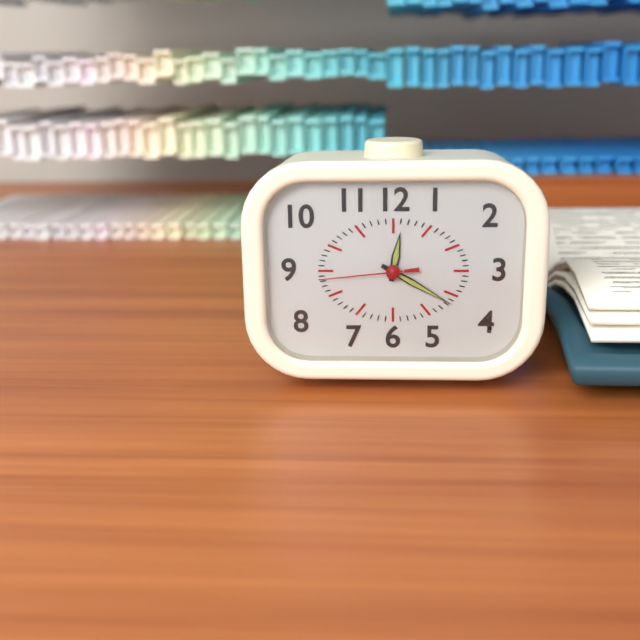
12:20:44
